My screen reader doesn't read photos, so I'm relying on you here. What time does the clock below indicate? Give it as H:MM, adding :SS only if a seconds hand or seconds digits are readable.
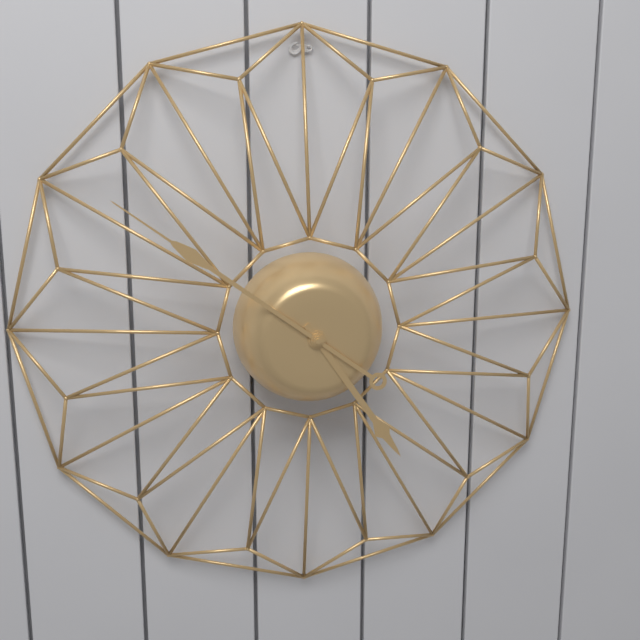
4:51
